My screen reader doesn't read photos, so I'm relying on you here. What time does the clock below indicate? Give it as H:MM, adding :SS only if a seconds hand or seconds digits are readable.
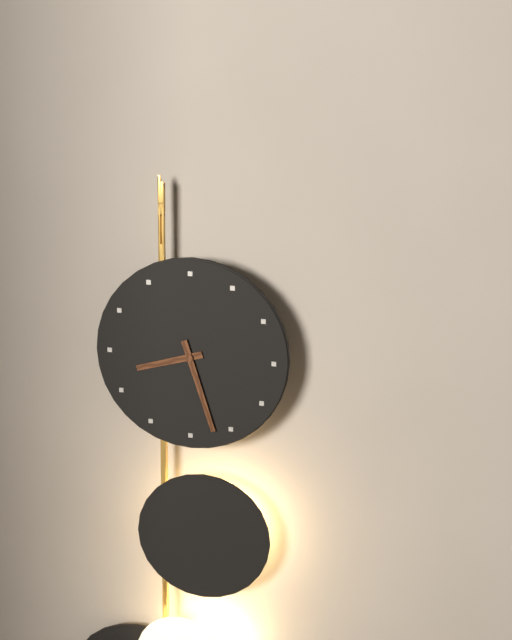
8:27
